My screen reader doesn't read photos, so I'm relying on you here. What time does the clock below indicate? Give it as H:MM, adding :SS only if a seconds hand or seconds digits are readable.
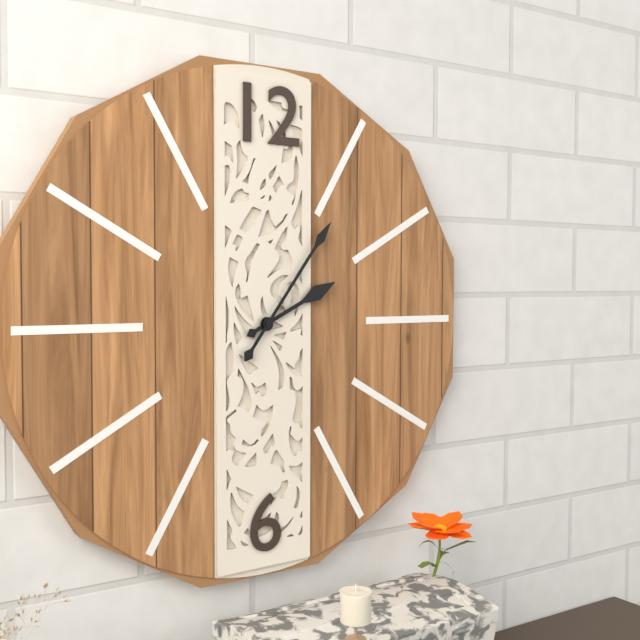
2:06
